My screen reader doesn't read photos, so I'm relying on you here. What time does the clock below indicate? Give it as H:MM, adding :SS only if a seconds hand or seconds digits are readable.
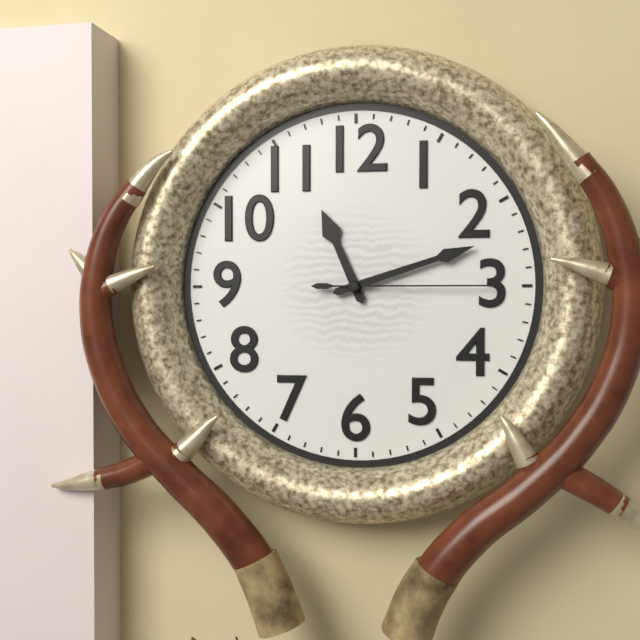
11:12:15
